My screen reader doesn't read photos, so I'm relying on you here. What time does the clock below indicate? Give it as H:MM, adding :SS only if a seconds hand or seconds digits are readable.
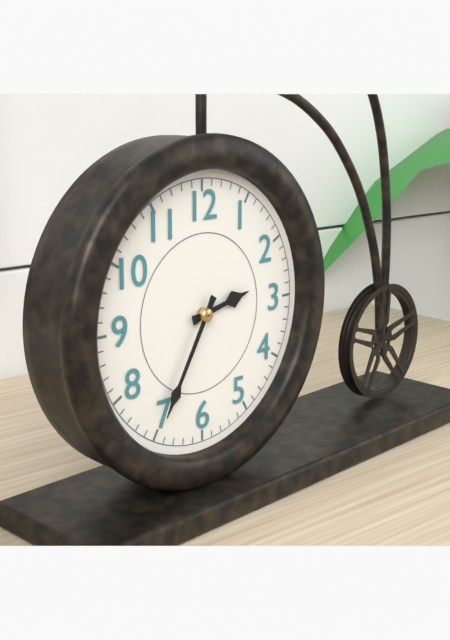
2:35
